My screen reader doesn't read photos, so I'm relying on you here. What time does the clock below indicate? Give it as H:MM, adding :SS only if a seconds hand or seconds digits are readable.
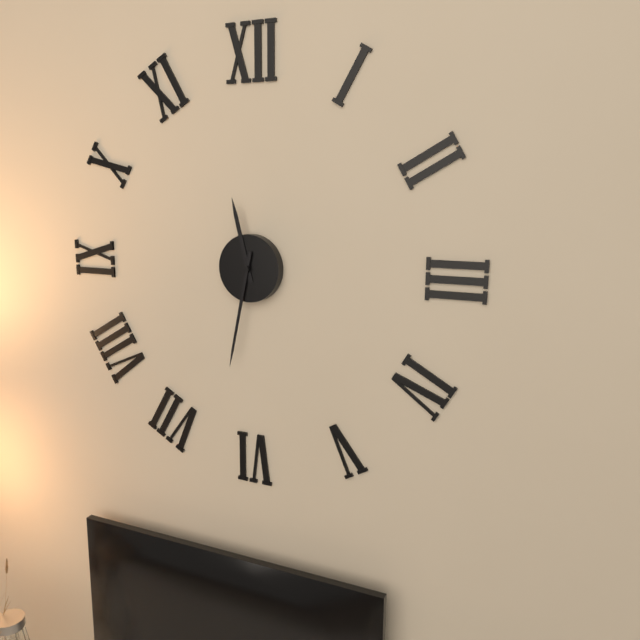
11:32
